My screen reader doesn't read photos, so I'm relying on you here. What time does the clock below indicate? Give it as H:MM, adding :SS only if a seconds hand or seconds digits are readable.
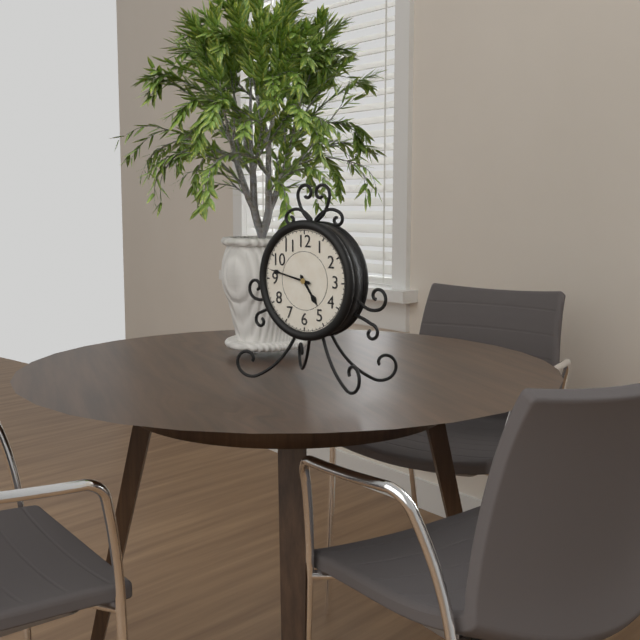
4:47
